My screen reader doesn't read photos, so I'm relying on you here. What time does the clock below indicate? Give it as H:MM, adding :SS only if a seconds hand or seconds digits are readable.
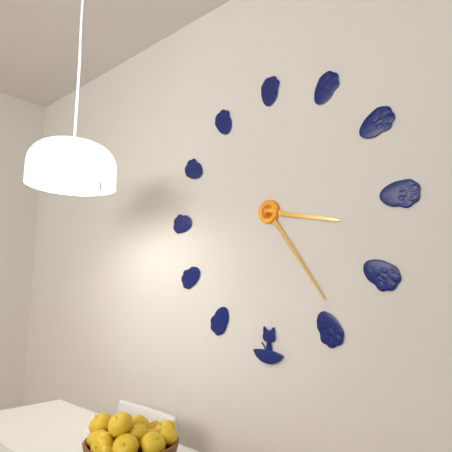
3:24
